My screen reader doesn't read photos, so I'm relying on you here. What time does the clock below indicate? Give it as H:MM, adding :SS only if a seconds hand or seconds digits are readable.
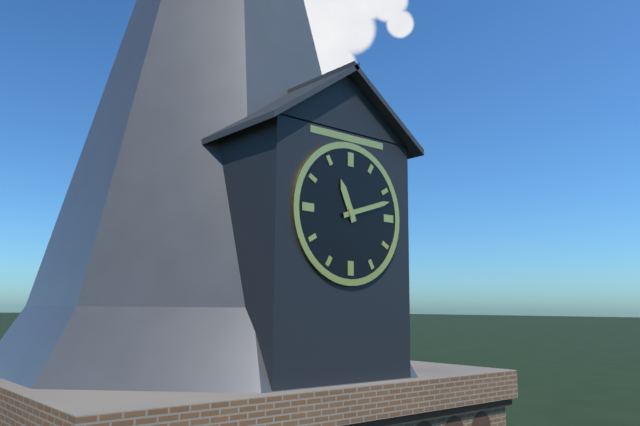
11:12
